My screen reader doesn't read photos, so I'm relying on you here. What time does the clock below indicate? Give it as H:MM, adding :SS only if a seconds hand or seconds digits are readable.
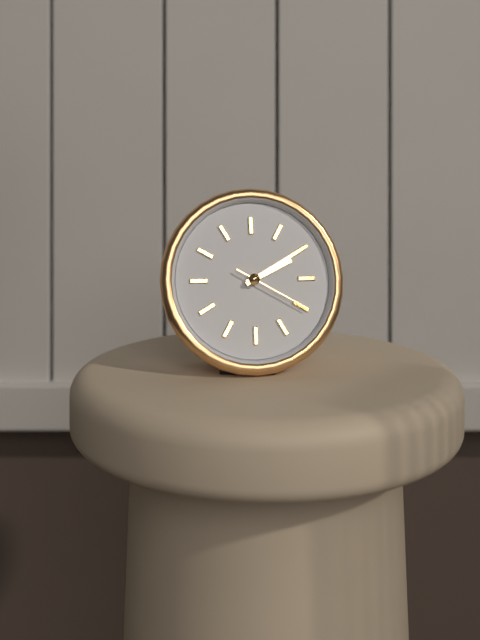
2:10:20
